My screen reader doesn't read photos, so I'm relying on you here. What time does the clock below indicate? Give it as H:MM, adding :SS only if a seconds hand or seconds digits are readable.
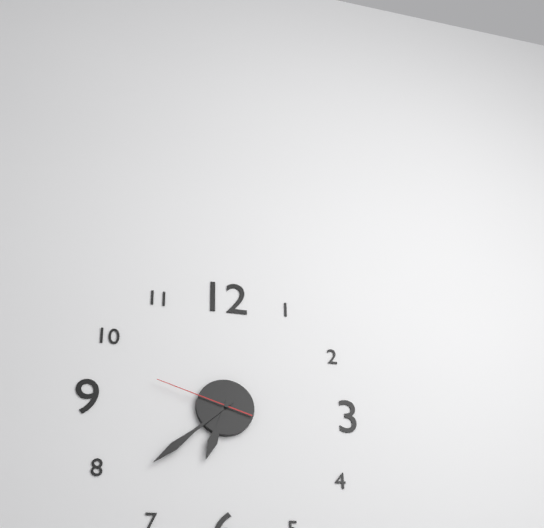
6:38:48
